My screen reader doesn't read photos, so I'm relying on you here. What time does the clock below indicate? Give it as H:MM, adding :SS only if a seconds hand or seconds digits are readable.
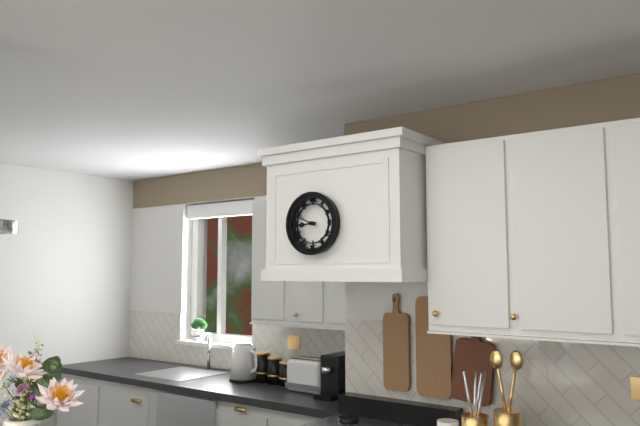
8:49
